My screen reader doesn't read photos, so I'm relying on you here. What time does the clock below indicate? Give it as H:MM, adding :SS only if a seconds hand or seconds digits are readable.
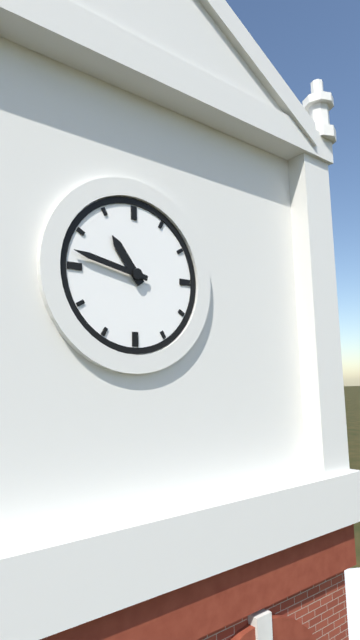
10:47
